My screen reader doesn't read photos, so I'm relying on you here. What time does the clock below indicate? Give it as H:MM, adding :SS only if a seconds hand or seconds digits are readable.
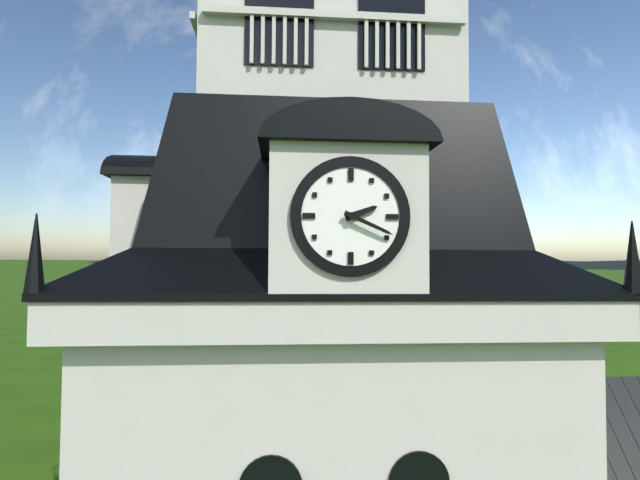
2:19
